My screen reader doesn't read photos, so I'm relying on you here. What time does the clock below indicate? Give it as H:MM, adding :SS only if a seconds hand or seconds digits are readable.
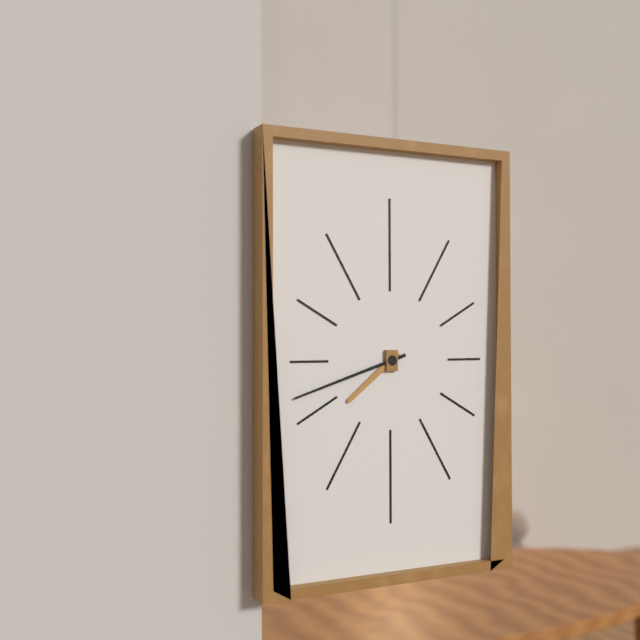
7:42
